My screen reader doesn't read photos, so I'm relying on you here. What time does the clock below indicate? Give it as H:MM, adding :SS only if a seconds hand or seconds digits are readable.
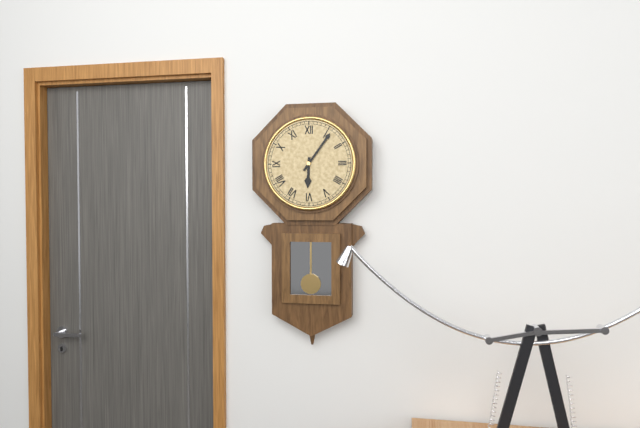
6:06
